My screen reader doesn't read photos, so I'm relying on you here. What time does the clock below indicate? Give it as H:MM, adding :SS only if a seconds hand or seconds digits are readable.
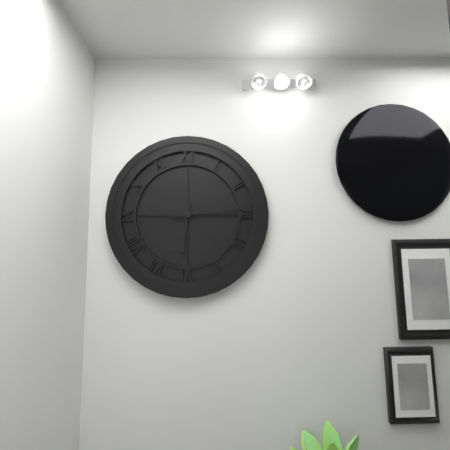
6:14
